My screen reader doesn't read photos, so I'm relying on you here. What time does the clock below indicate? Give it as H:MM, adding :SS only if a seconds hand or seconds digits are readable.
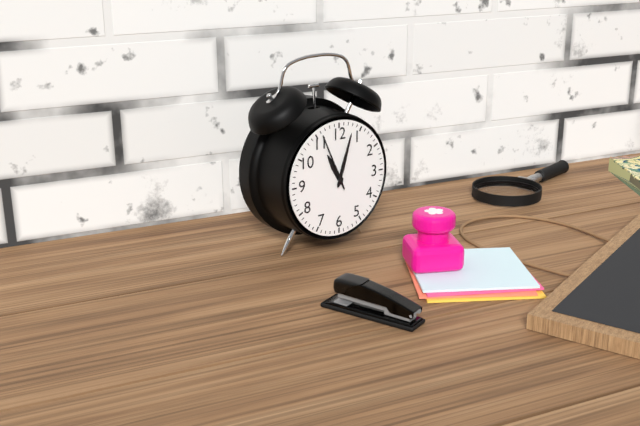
11:03:56
